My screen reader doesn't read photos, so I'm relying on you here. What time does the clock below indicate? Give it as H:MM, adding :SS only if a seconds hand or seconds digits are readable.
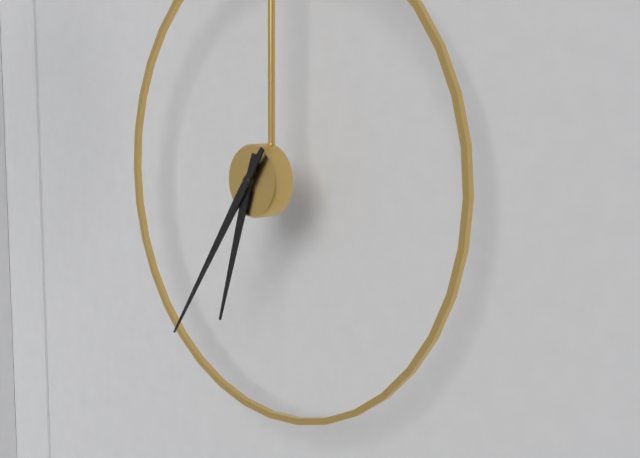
6:36
